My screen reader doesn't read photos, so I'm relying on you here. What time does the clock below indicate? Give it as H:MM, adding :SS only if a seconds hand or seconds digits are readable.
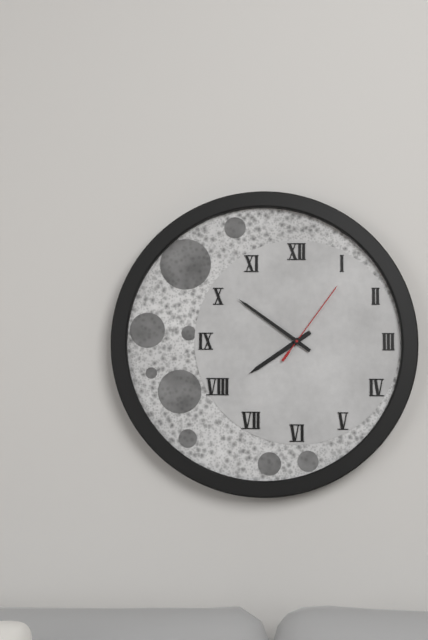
7:51:06
